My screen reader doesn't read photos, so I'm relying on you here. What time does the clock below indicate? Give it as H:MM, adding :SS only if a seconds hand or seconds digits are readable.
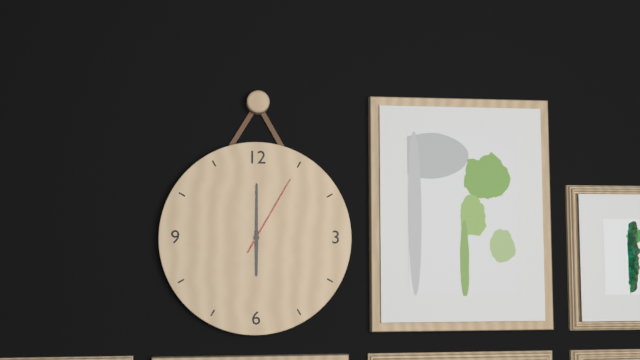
6:00:05
